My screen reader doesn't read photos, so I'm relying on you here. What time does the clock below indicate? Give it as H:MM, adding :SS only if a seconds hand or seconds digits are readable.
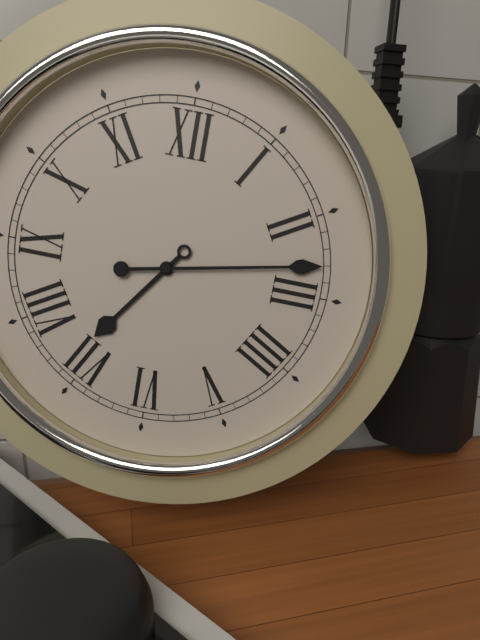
7:13
